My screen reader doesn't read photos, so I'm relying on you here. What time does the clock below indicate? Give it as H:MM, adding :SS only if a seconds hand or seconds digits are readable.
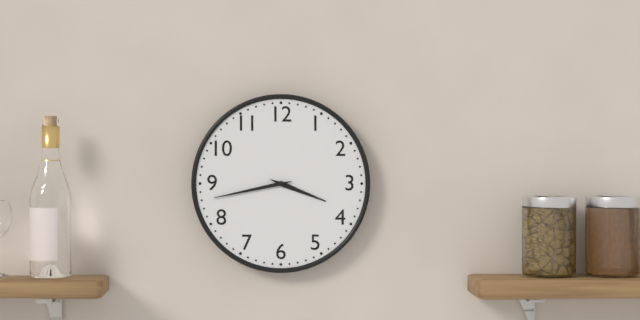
3:43
